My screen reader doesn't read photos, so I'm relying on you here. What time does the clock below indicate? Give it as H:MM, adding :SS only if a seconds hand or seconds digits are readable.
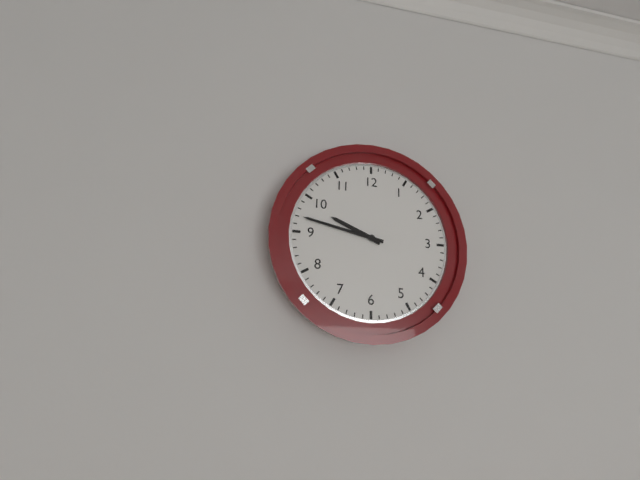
9:47
